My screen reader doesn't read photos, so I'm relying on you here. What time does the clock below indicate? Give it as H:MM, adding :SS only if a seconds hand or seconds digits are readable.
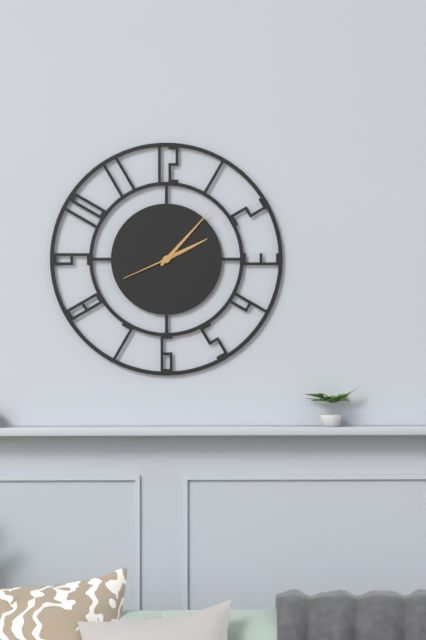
2:07:41
